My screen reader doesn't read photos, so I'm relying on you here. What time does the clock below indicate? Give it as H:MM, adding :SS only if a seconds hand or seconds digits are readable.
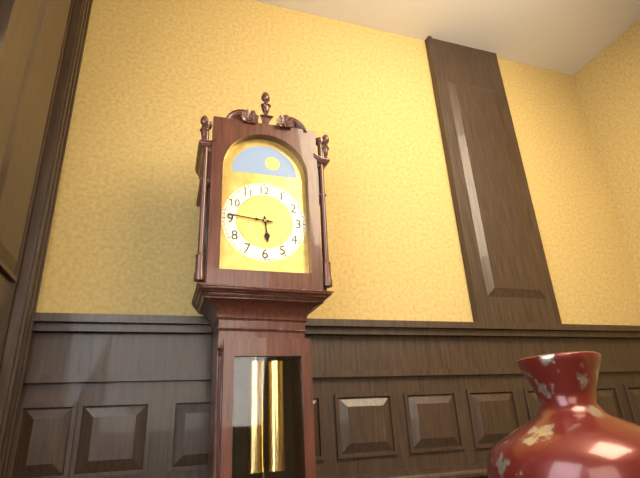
5:46
